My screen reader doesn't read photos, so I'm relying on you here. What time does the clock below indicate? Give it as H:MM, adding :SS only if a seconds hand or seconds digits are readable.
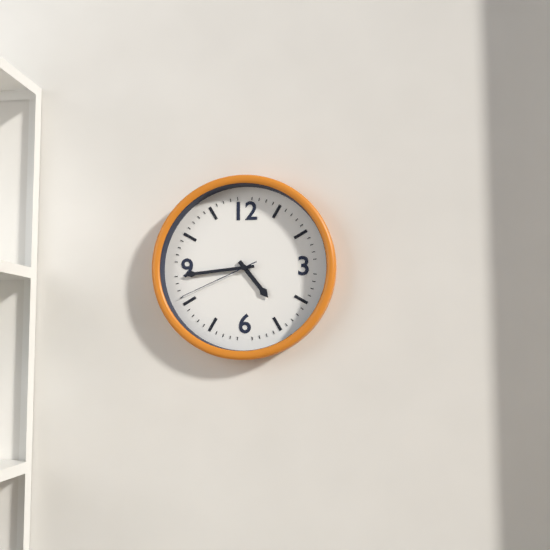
4:44:41
